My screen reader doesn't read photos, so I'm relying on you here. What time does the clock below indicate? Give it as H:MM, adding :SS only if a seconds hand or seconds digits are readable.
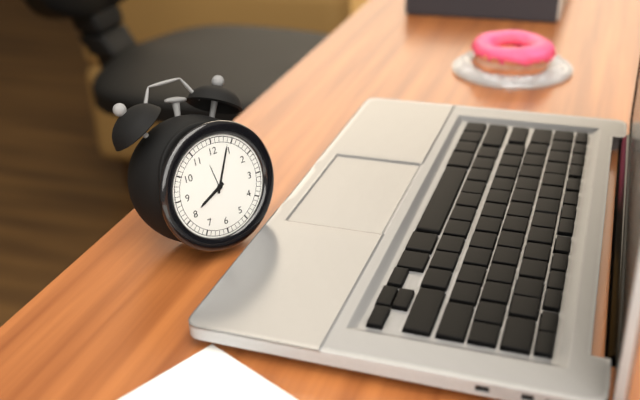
8:04
